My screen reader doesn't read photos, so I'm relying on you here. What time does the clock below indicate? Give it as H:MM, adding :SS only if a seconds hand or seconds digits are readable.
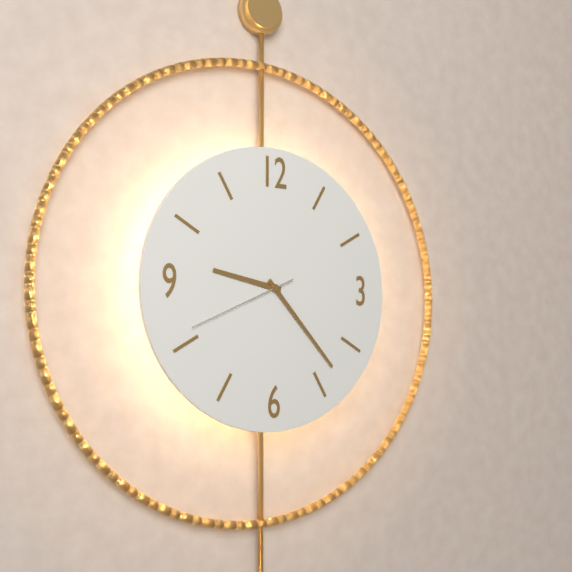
9:23:41
